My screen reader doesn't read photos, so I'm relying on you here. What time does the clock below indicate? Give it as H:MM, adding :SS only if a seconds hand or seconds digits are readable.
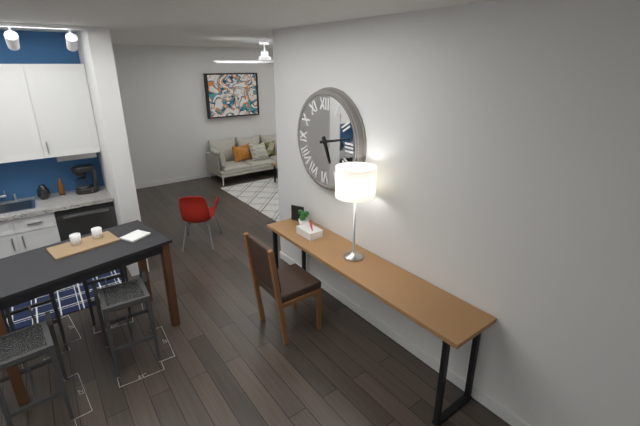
5:13
